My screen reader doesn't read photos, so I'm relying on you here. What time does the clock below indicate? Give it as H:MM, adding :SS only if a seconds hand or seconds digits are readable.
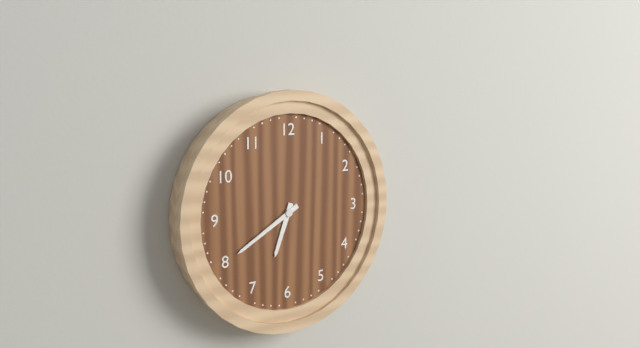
6:40
